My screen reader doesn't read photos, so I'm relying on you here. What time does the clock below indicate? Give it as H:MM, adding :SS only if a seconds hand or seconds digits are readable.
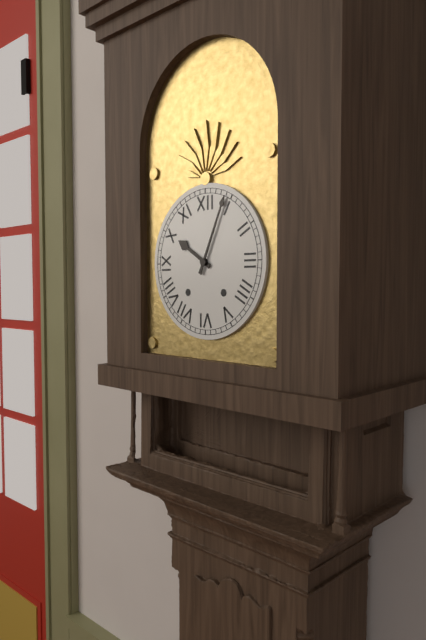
10:04
